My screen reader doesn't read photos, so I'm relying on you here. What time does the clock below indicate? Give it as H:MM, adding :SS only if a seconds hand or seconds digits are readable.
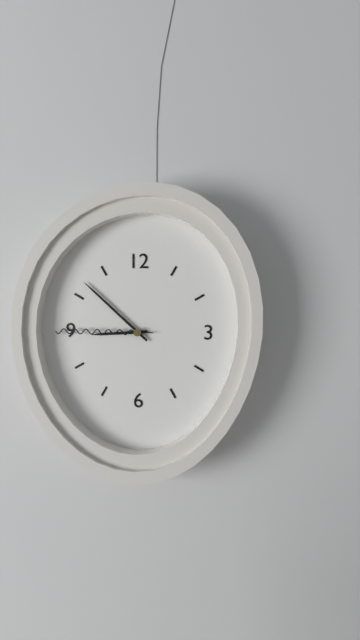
8:52:45
